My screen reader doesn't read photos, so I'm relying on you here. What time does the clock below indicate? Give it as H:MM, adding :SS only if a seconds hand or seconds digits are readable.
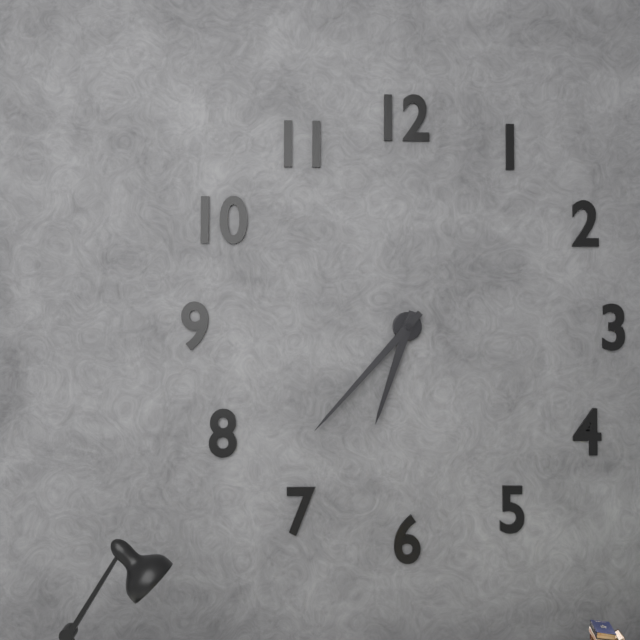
6:37
